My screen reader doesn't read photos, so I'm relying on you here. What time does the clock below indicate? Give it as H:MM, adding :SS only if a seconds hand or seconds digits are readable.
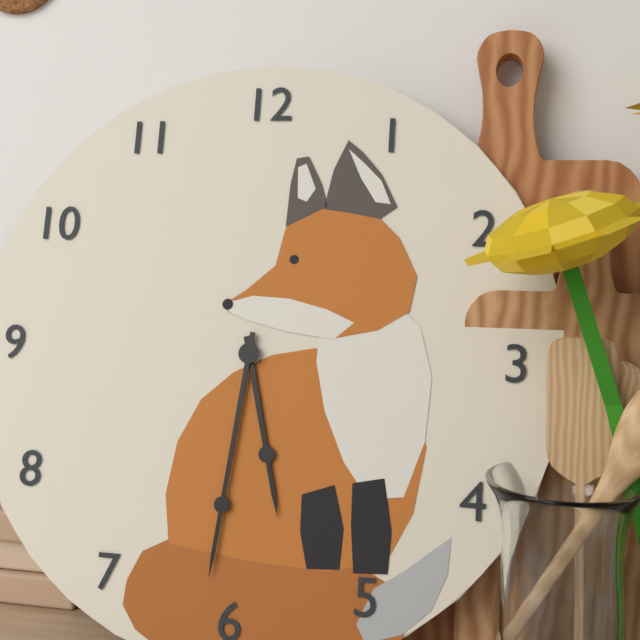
5:31
